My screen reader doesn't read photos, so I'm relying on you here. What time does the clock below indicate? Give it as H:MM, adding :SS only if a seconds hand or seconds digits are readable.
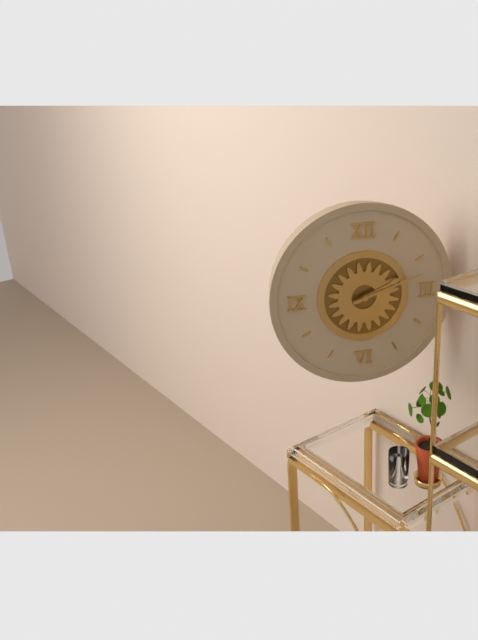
2:12
